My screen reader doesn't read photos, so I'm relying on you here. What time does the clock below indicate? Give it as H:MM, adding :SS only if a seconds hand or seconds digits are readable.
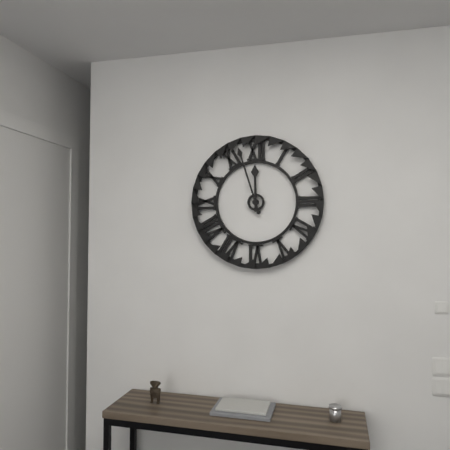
11:57
